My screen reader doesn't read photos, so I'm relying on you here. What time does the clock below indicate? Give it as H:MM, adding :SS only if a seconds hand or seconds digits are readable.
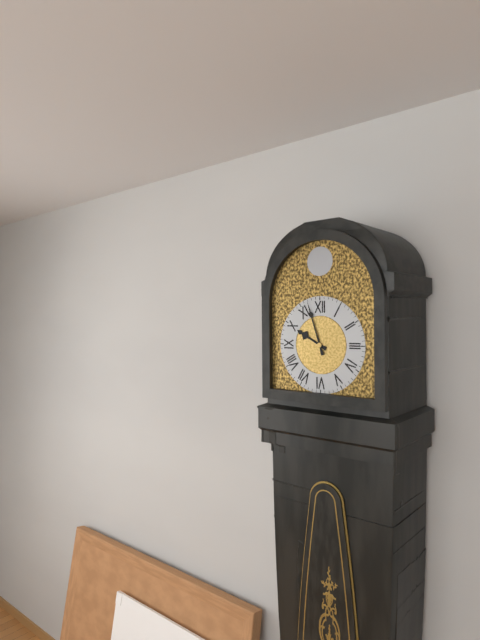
9:57
